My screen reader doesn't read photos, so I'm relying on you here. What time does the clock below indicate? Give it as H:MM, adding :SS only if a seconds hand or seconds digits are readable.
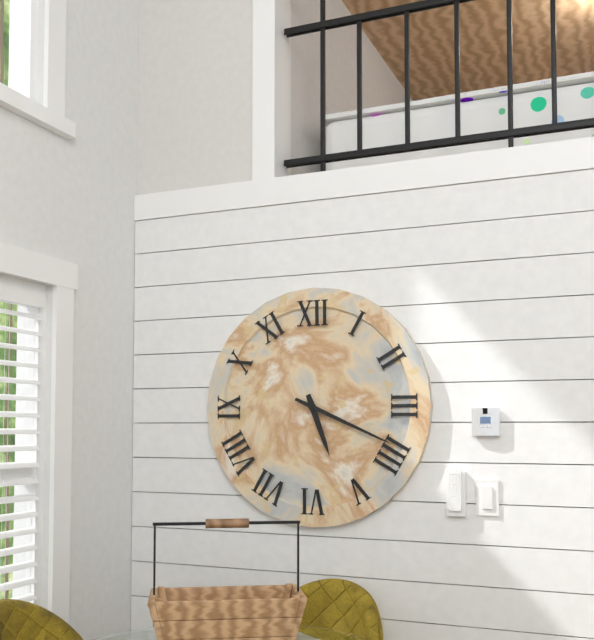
5:19
